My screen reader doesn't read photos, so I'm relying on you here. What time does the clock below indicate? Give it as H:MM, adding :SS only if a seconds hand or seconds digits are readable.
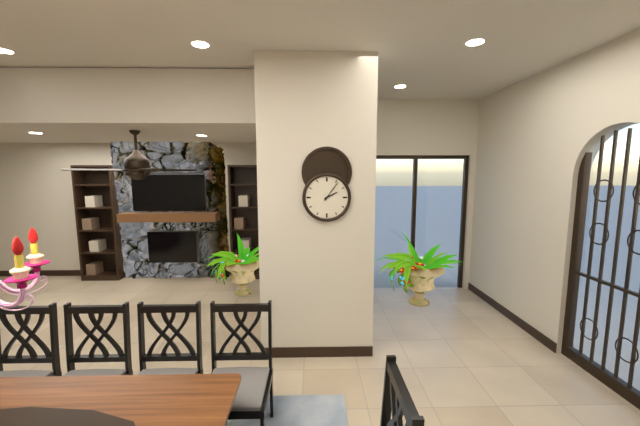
2:06
